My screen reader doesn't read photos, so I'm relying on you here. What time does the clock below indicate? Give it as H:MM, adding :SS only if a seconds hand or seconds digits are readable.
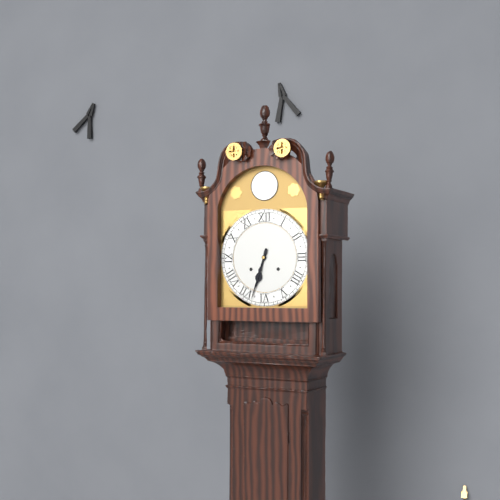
6:33
